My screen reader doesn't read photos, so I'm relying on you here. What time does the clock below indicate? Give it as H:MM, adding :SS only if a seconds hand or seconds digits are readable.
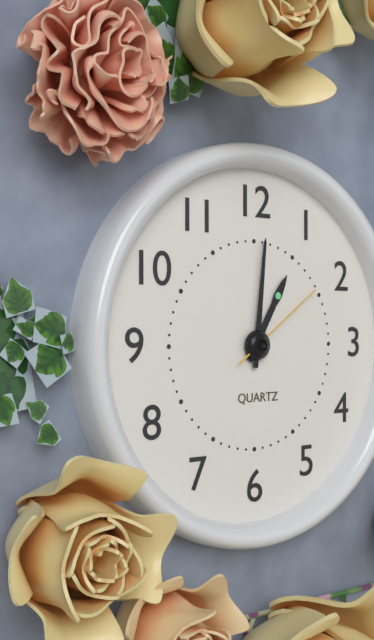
1:01:09
